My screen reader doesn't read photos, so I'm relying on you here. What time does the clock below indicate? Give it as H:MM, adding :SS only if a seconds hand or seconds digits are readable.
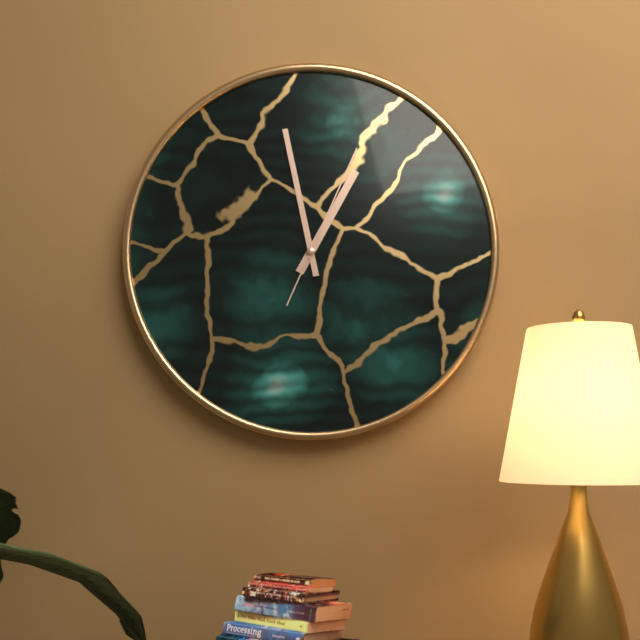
12:58:04
